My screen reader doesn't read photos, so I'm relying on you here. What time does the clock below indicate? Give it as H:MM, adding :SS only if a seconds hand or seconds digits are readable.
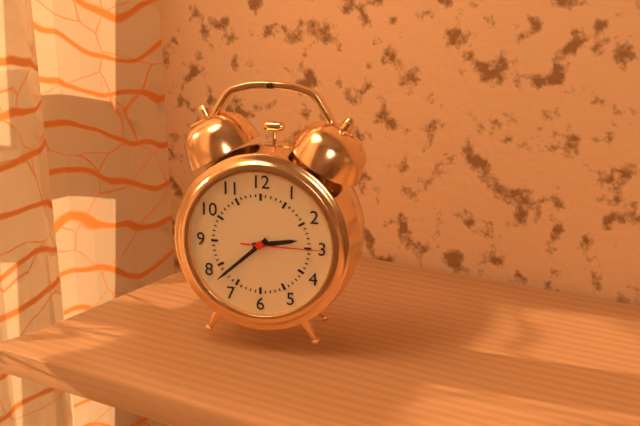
2:38:15
